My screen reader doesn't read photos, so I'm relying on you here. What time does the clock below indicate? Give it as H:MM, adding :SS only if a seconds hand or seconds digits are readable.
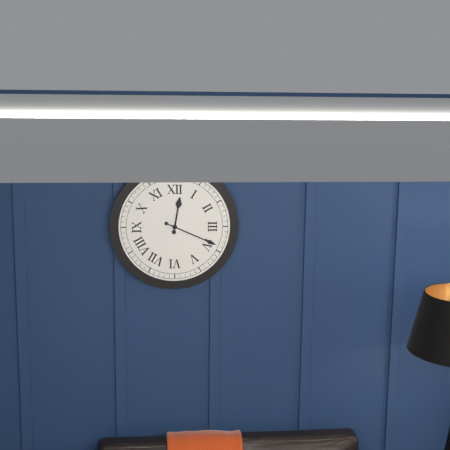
12:19
